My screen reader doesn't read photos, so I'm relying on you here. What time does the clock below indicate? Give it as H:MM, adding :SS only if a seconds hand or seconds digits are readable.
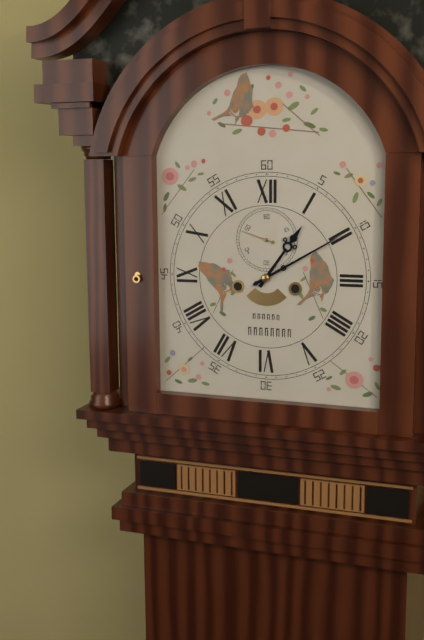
1:10
